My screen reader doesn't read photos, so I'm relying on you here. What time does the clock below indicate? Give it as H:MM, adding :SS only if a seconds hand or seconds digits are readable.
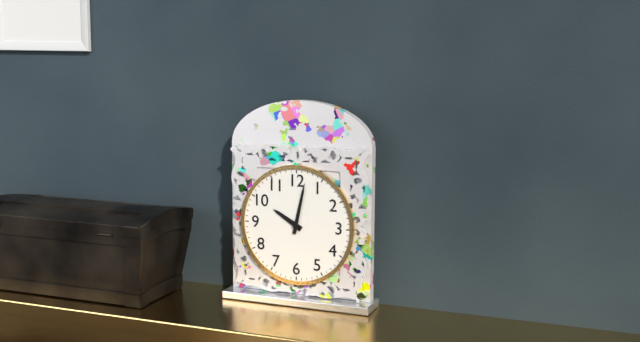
10:02
